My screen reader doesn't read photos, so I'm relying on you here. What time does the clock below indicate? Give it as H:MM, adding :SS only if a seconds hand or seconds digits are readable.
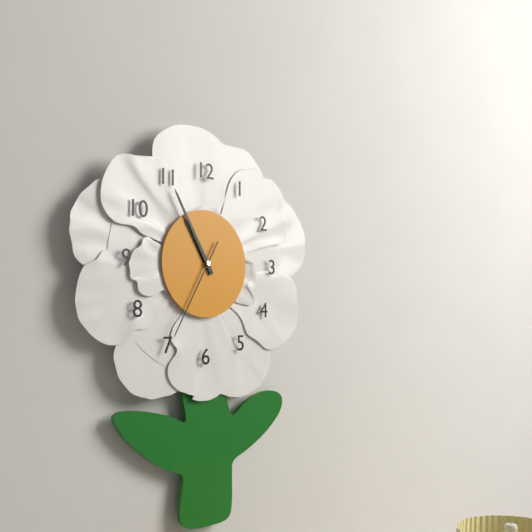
10:55:35
